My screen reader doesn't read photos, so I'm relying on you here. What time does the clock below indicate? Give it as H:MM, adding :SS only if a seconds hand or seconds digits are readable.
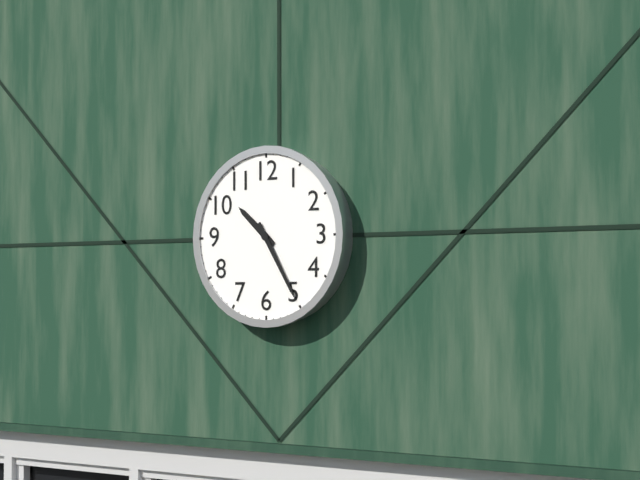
10:25
